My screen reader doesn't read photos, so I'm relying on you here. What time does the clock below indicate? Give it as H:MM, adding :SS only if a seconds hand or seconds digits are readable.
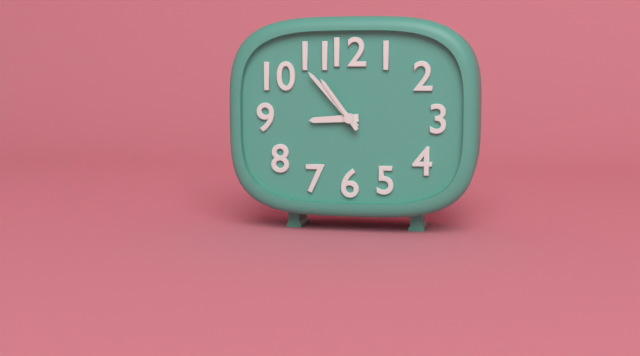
8:53:54
